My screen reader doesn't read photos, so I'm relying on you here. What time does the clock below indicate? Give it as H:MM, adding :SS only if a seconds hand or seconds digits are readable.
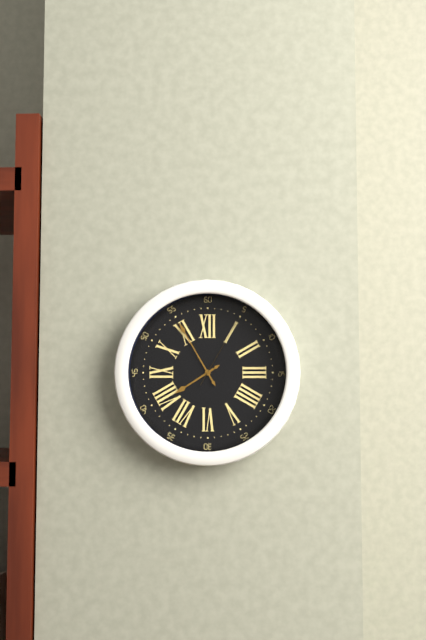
7:55:05
